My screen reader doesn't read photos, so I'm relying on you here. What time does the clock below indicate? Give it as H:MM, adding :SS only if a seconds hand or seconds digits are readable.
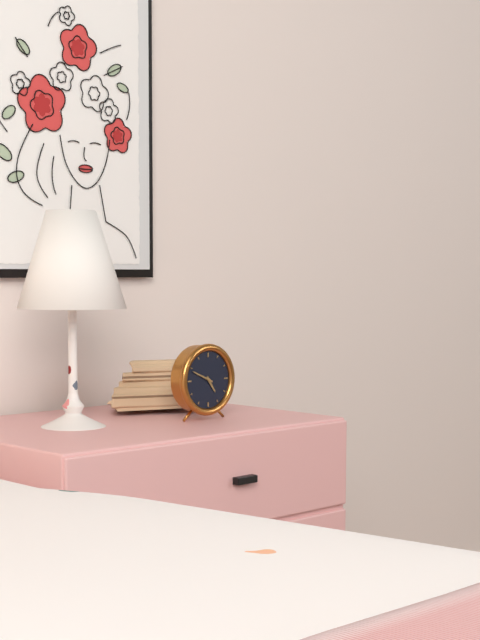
4:49
